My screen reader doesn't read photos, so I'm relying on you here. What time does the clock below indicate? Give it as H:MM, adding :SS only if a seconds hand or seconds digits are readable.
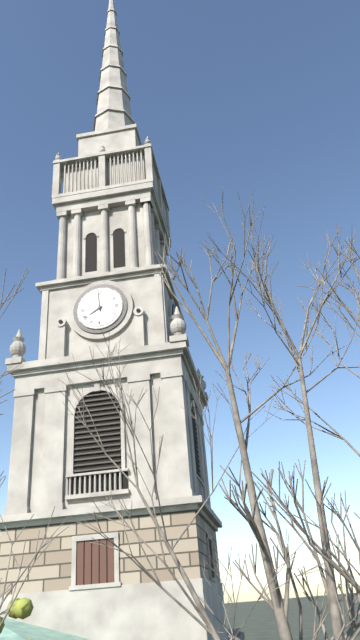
7:59
